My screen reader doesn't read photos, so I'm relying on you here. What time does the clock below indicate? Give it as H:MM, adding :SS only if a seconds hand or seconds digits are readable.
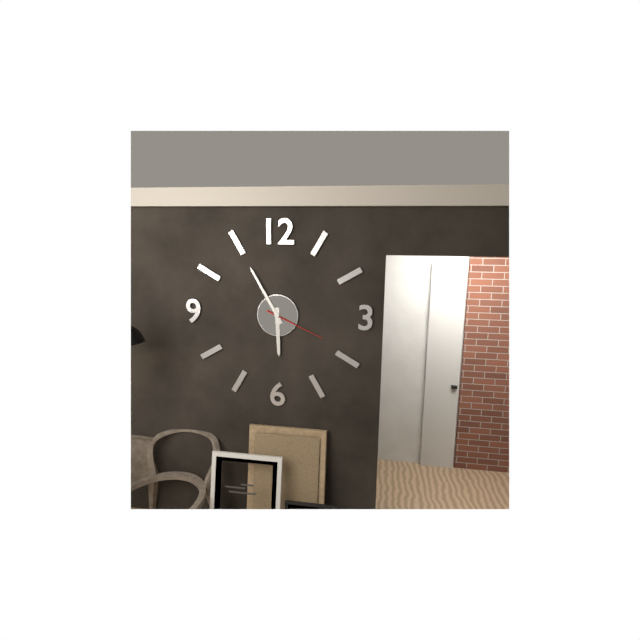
5:55:19
